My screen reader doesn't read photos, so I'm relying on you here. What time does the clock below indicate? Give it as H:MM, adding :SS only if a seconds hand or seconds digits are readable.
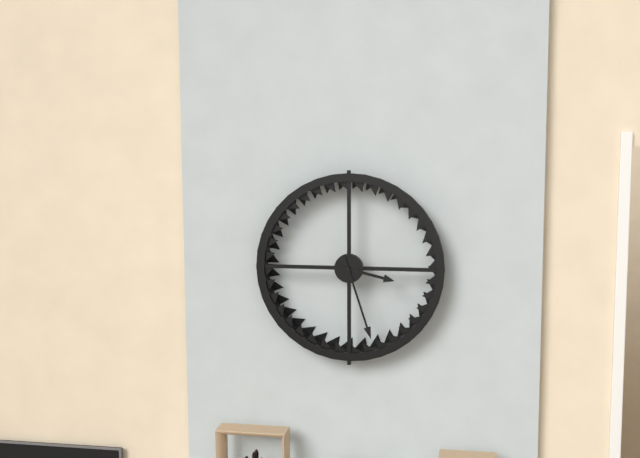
3:27
